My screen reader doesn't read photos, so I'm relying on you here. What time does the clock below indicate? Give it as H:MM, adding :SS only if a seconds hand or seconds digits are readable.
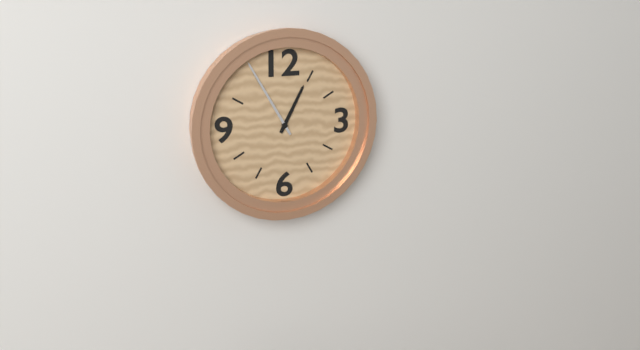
12:55
